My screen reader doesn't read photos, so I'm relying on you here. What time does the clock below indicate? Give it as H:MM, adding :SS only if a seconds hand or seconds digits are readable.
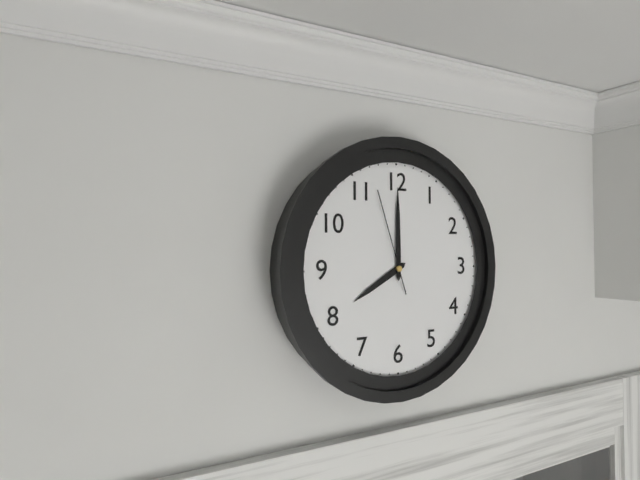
8:00:57
